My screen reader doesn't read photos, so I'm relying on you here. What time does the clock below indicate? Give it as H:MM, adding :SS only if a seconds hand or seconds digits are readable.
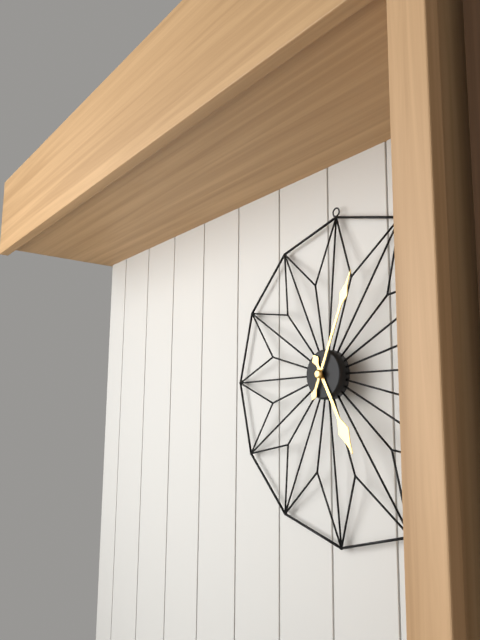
5:04
